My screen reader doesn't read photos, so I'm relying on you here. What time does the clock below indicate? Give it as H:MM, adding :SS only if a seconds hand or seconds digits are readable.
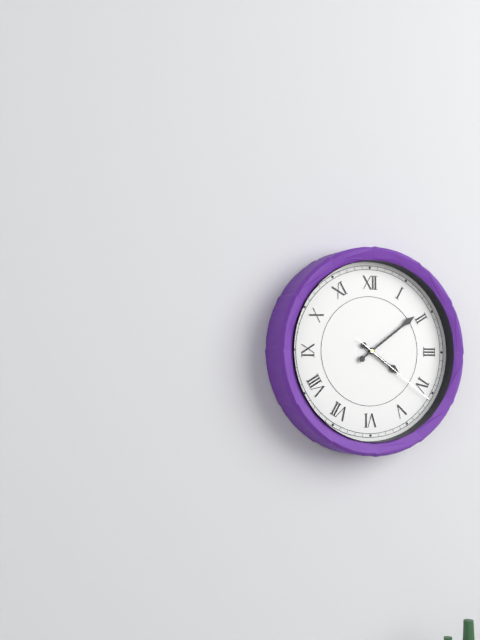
4:09:21
